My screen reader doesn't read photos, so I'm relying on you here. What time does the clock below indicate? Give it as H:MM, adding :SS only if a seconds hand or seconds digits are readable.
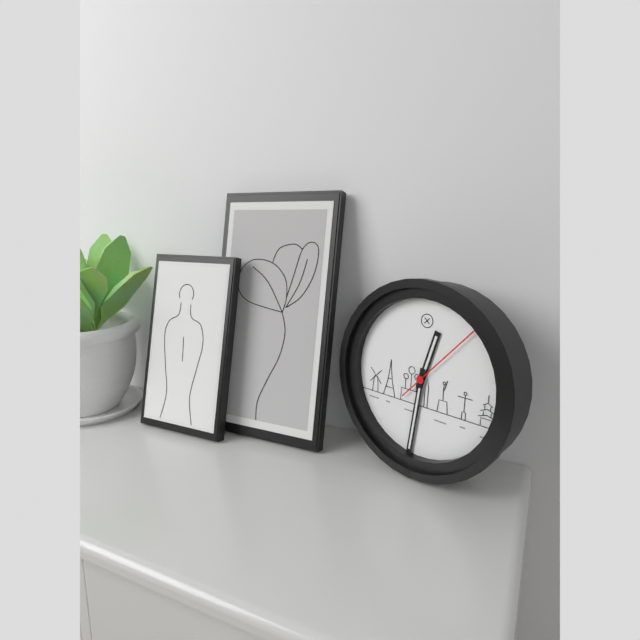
12:31:07
